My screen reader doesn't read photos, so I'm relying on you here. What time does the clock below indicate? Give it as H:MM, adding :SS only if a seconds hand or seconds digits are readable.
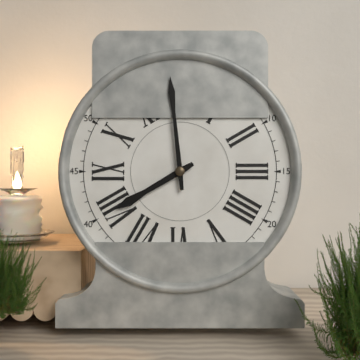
7:59
